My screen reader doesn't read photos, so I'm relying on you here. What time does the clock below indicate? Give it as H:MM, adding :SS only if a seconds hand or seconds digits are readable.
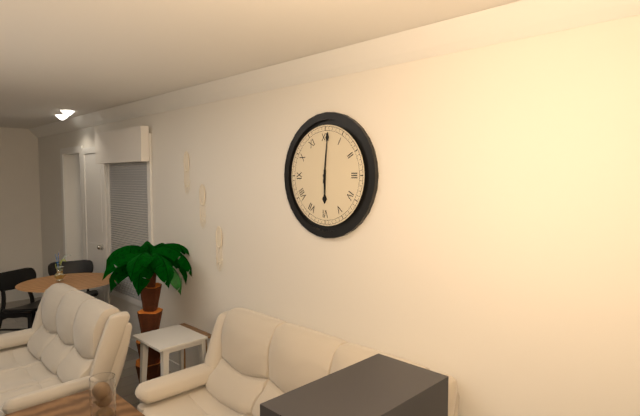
6:01
